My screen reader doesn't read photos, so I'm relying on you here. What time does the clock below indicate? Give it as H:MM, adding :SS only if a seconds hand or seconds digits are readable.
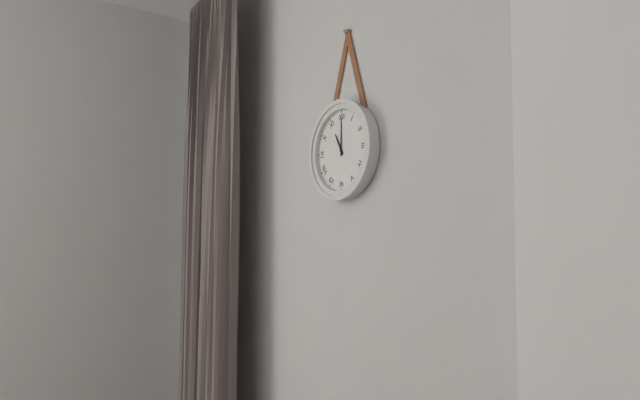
11:00
